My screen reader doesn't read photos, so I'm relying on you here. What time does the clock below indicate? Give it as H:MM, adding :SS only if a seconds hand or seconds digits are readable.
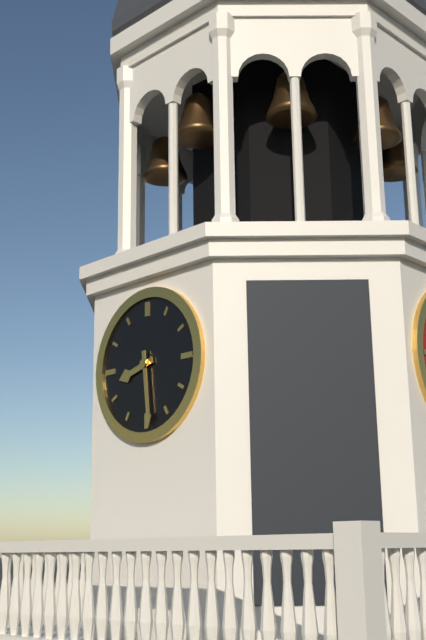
8:29
